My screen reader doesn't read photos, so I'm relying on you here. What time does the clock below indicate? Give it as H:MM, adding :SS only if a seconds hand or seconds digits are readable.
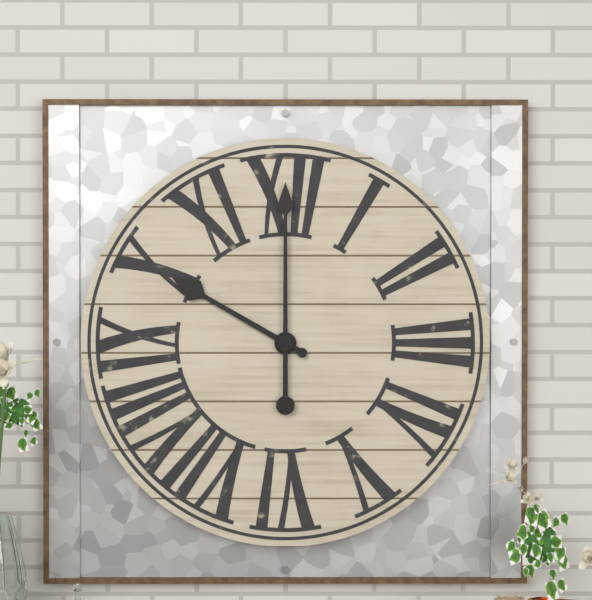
10:00
